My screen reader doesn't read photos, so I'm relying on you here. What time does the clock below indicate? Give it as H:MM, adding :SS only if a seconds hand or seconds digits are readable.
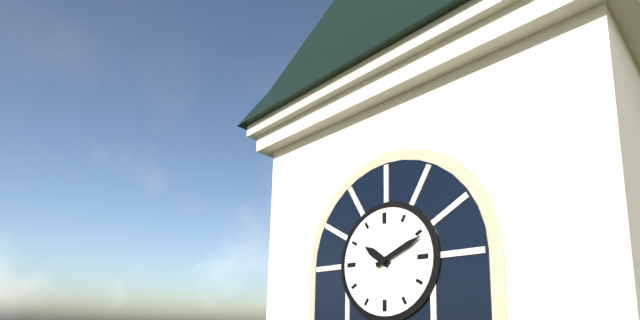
10:11
